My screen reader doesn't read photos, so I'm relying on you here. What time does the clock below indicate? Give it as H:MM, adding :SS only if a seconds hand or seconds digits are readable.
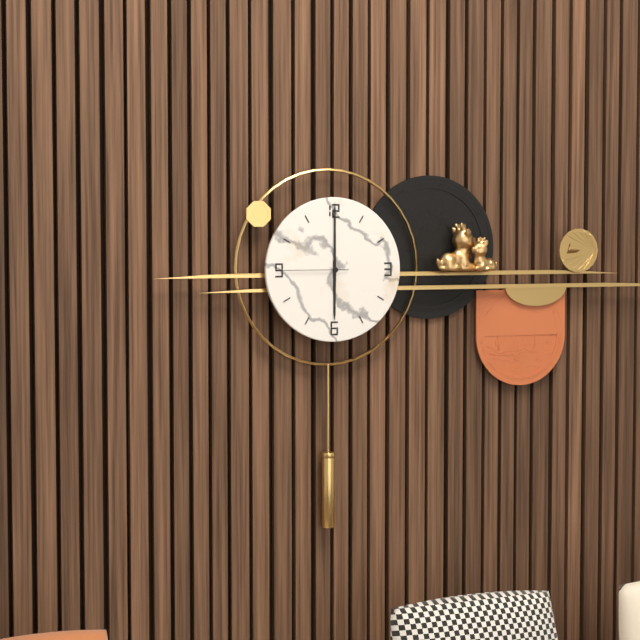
6:00:45
